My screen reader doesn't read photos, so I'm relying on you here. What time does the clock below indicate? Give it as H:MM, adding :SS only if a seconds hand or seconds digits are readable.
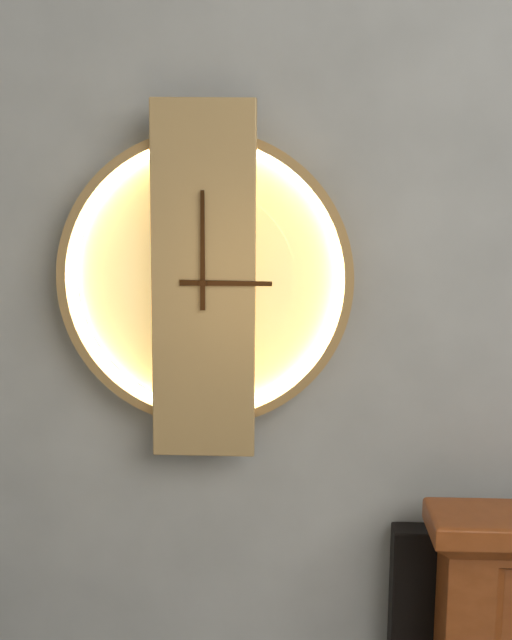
3:00
